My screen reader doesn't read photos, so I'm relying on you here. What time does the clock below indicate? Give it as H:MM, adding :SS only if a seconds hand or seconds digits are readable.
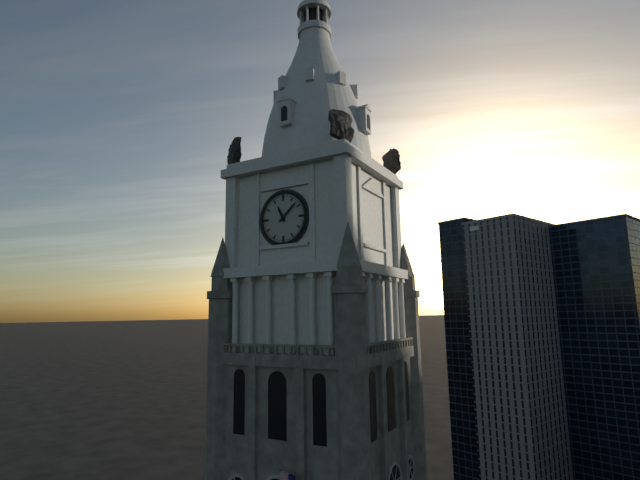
11:08
